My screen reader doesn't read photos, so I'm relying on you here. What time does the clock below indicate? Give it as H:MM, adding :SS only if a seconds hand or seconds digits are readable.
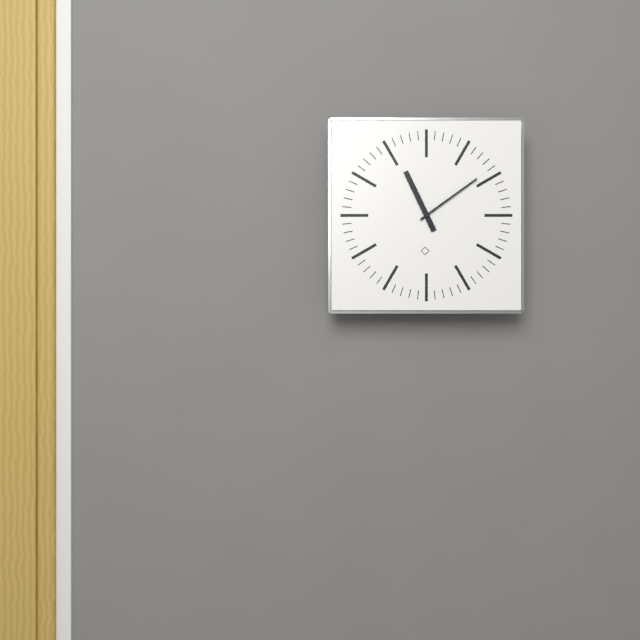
11:09
